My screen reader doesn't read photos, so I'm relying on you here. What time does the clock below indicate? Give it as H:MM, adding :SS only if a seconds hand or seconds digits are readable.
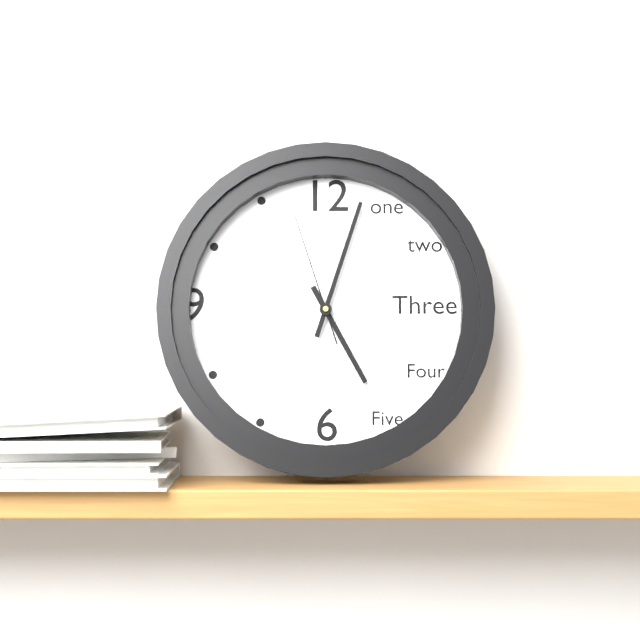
5:03:57
